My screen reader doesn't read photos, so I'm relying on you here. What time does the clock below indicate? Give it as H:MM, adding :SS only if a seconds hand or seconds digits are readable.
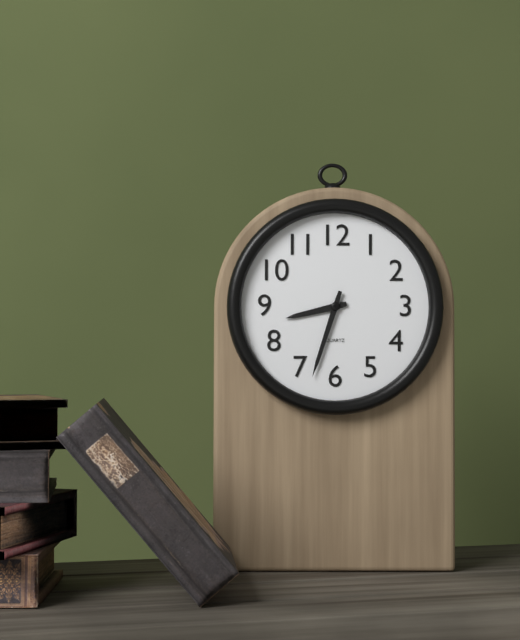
8:33
